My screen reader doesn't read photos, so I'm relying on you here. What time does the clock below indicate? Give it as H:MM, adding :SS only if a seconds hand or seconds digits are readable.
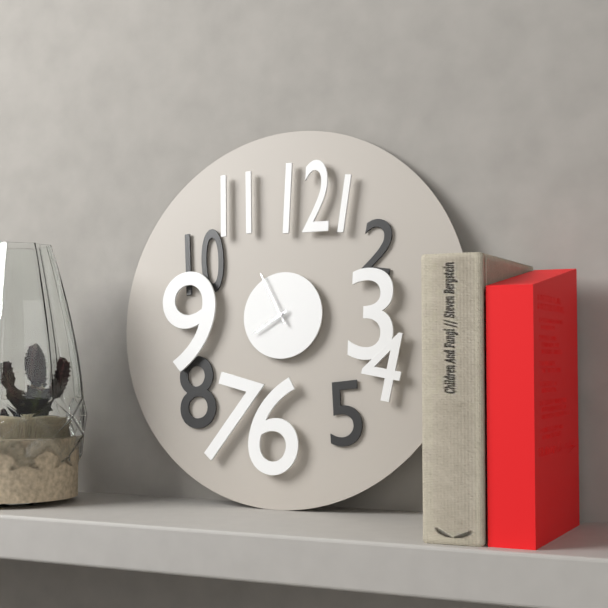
7:55
